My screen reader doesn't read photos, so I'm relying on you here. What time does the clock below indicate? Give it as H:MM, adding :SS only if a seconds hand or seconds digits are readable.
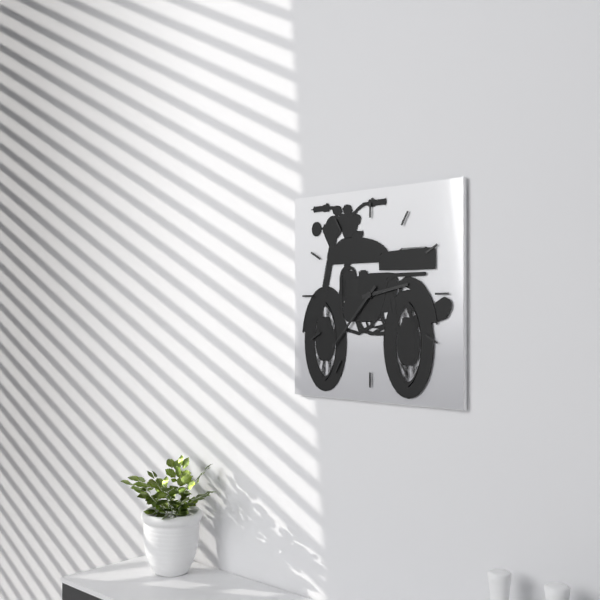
2:37
